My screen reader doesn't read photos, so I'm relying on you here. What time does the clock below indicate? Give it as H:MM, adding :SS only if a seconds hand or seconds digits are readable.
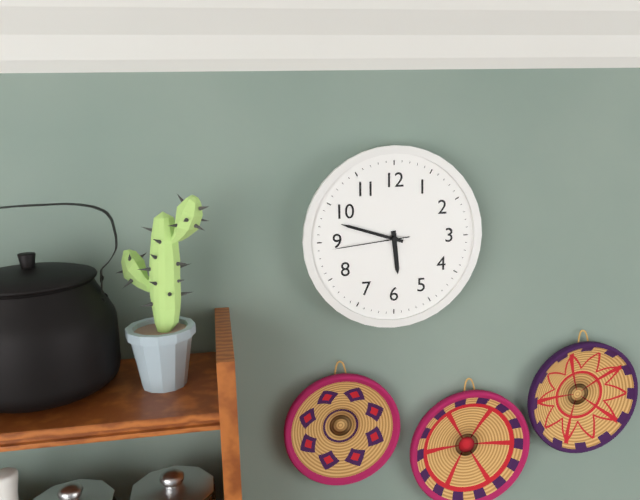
5:48:44
